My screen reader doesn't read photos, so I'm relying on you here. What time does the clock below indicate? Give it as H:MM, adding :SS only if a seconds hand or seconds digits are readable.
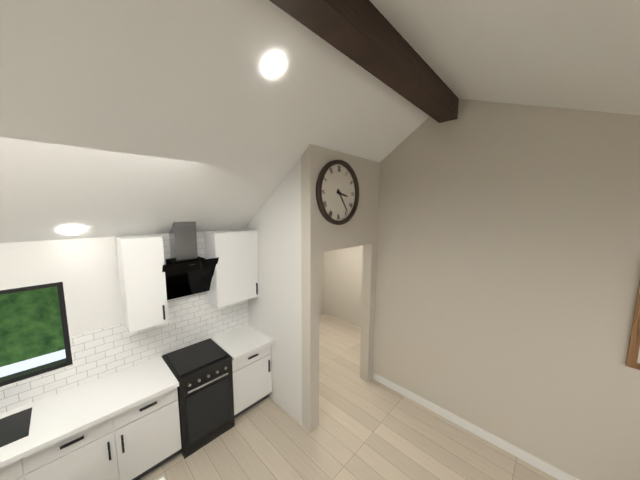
3:24
